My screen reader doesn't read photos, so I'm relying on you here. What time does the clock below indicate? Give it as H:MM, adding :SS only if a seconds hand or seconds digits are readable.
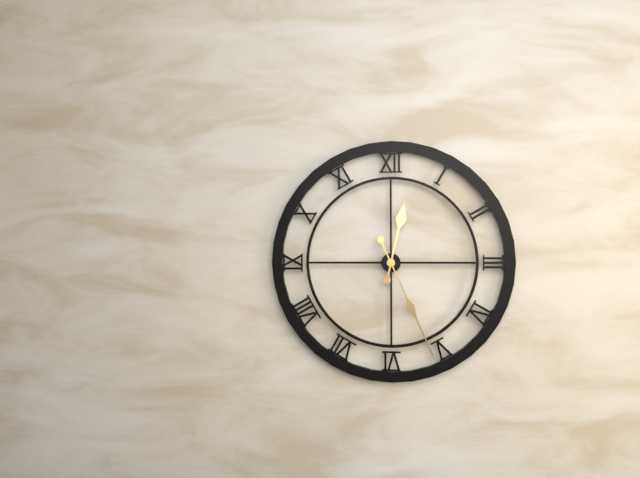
12:26
